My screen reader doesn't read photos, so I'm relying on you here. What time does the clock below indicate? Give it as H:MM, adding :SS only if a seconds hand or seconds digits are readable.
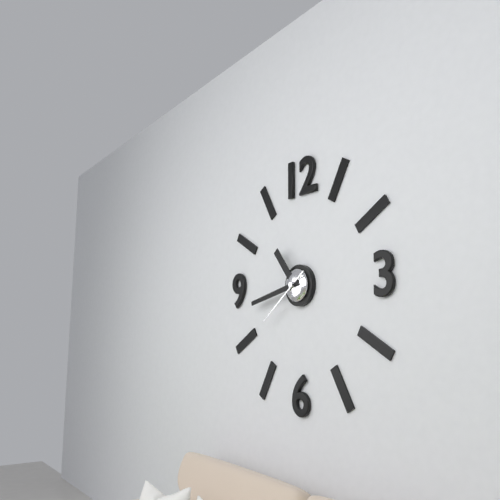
10:43:39
